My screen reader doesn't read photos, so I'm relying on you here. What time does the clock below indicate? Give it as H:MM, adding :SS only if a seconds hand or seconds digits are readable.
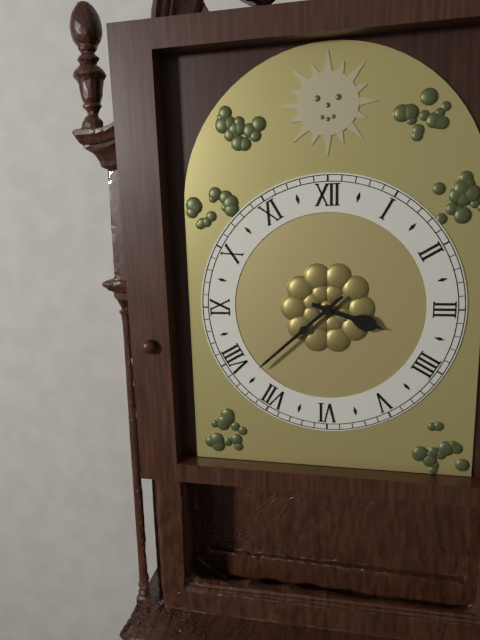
3:38
